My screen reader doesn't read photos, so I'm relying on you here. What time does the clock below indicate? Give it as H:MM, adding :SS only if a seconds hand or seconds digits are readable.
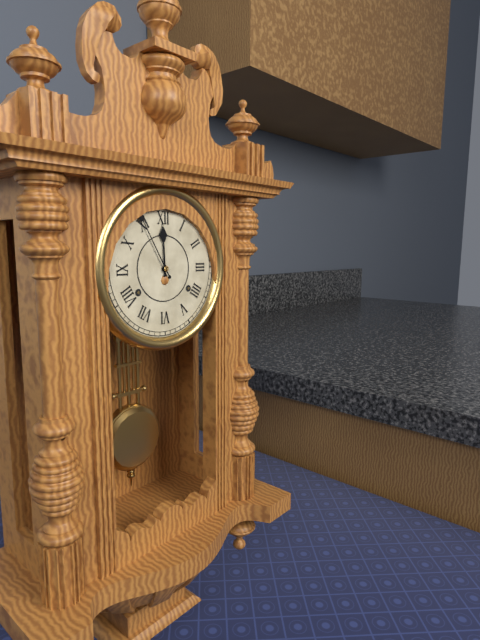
11:55
